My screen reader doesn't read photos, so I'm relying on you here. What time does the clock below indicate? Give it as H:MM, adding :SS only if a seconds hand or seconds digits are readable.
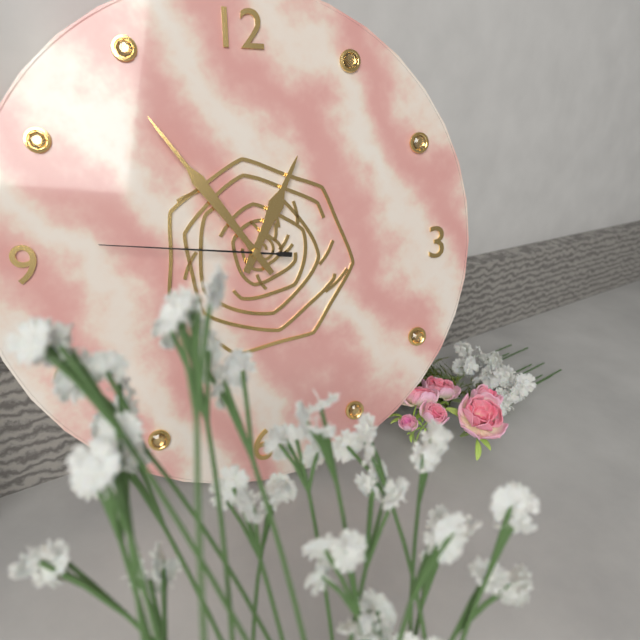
12:54:46
